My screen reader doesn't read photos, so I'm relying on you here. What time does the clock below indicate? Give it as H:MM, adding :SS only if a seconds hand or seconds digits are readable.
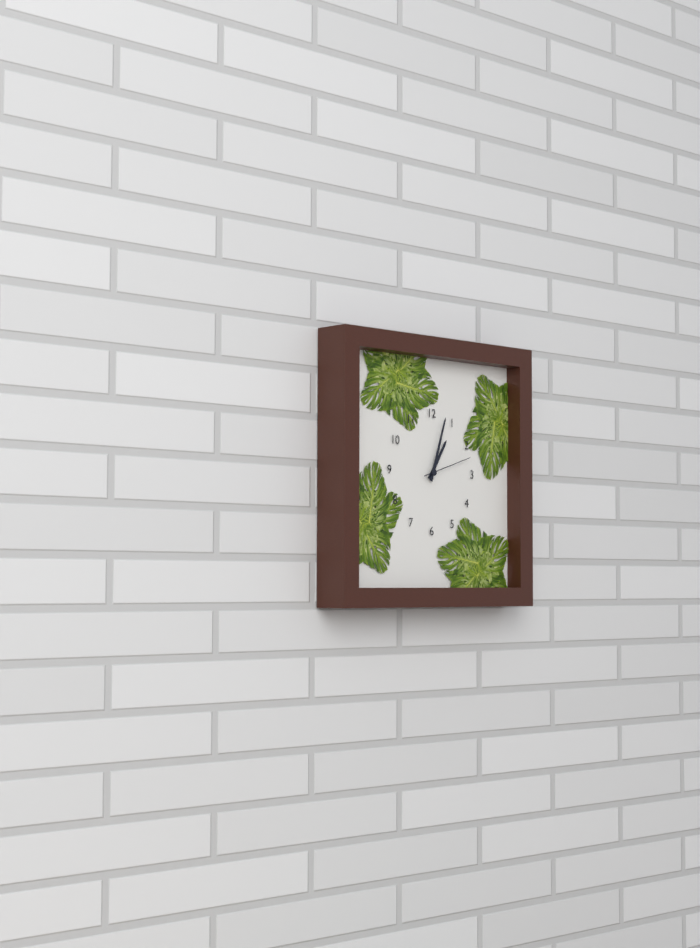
1:03:12
